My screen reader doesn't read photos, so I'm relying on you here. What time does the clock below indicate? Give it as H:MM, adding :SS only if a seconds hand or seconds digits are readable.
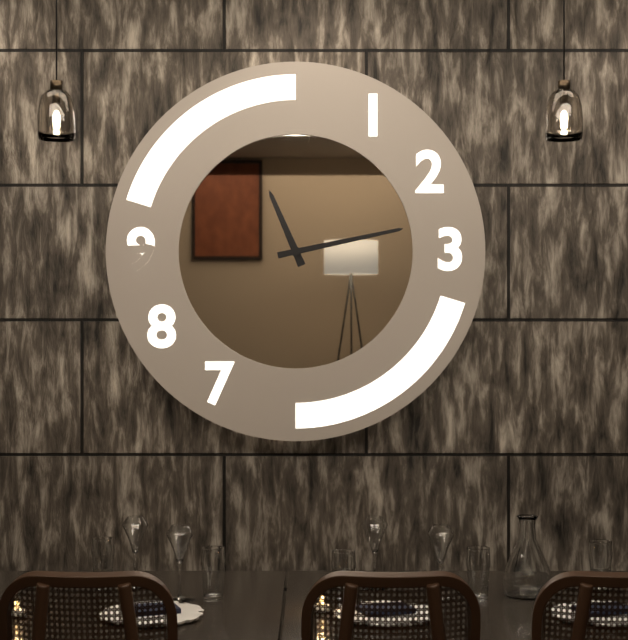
11:13
